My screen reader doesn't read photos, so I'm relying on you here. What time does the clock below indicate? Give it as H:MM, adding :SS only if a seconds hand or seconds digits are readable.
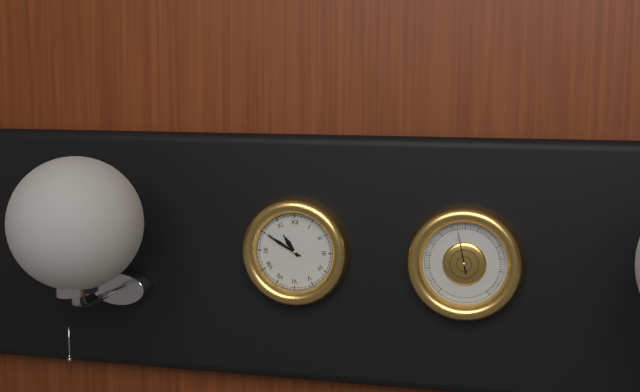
10:50
